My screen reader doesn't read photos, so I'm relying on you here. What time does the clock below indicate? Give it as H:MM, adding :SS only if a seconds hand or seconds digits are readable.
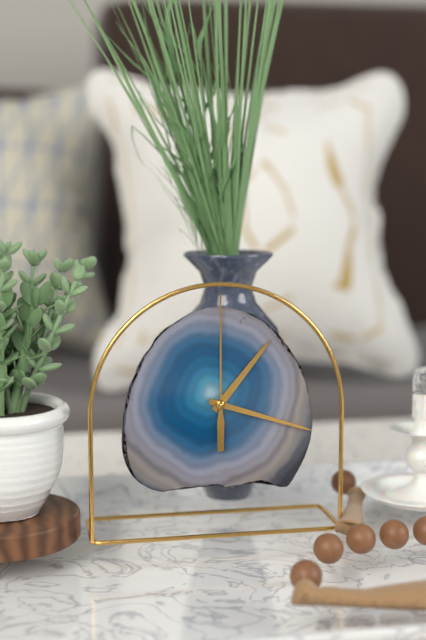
1:18:00
